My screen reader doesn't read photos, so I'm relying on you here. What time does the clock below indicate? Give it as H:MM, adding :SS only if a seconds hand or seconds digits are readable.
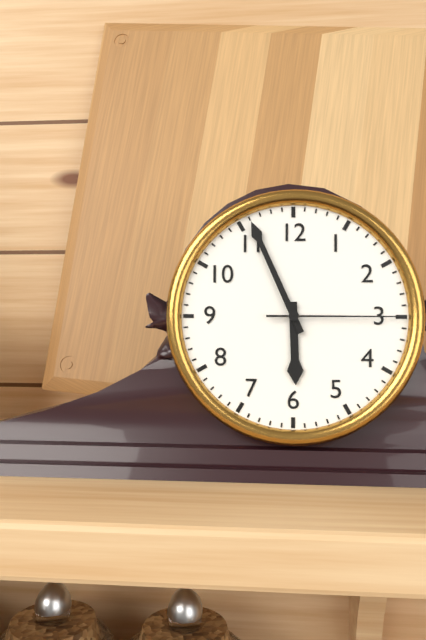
5:56:15
